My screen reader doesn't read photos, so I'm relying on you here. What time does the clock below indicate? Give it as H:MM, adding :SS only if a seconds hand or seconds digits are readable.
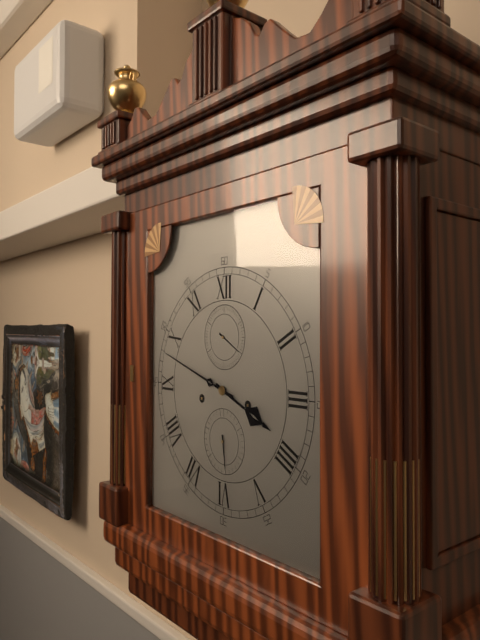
3:48
